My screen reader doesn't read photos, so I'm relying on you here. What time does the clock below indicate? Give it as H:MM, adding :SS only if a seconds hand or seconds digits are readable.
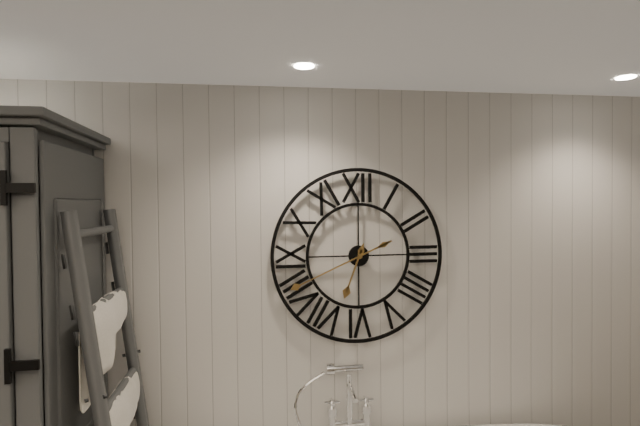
6:41
